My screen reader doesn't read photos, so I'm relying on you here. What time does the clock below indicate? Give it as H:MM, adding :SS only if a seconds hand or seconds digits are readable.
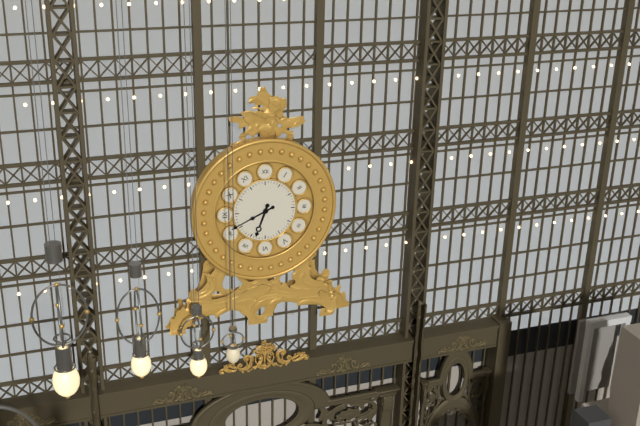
6:41
